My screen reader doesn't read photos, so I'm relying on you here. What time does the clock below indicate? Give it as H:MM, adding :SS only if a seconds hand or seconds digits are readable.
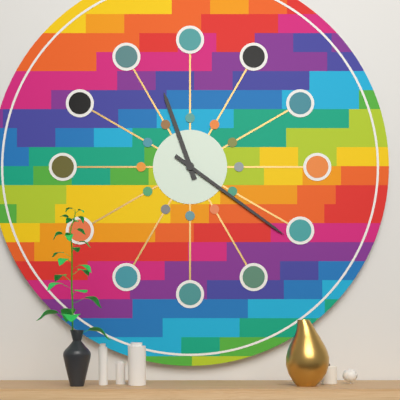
11:21
